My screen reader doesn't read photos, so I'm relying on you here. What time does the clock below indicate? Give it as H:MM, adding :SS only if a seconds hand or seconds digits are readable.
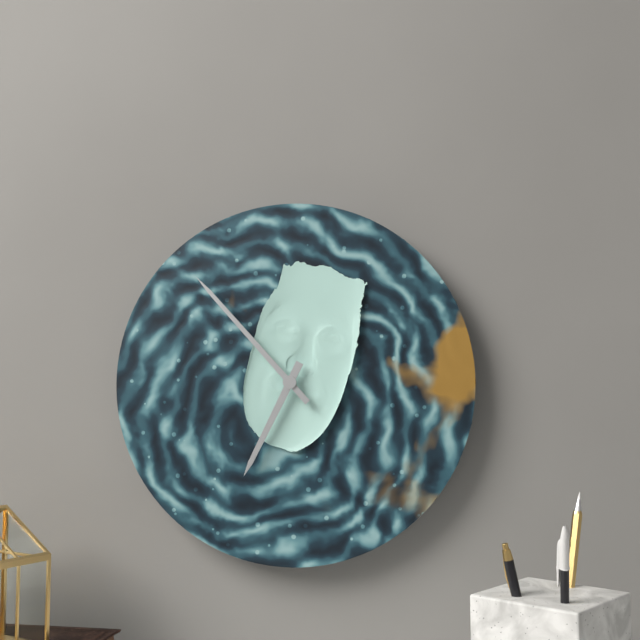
6:53
